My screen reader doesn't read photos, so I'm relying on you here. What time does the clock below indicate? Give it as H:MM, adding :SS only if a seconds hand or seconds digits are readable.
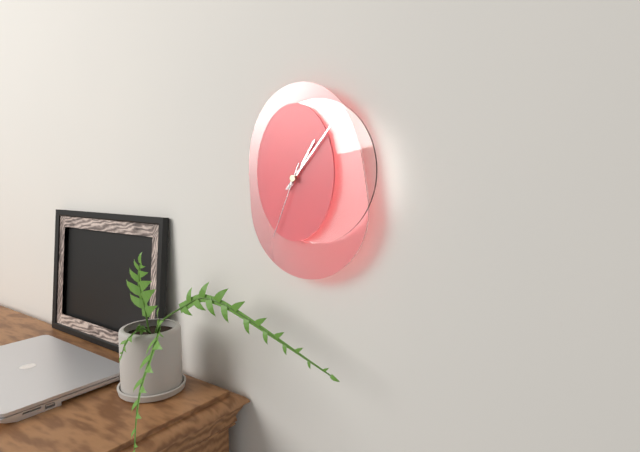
1:07:34
